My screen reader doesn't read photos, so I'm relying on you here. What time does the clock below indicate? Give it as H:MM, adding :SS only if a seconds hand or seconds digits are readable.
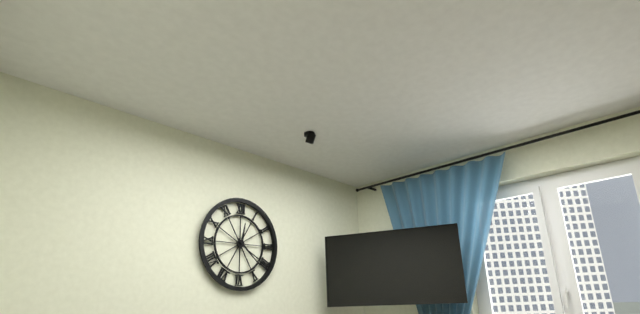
12:22
